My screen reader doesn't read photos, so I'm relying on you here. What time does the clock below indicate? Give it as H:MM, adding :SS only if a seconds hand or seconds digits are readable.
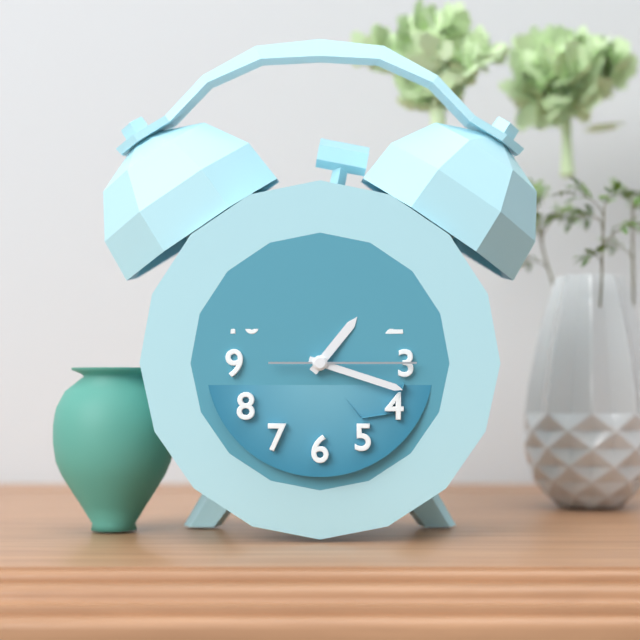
1:18:15
